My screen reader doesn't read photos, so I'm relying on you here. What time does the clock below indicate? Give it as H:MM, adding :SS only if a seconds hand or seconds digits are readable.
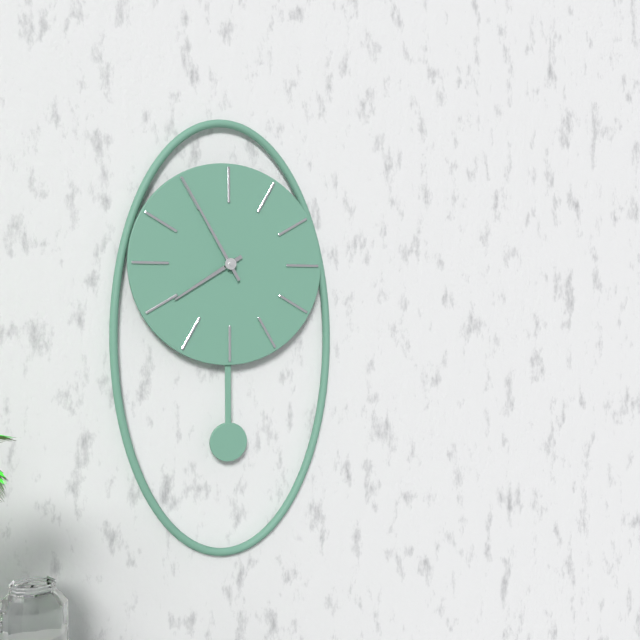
7:55
